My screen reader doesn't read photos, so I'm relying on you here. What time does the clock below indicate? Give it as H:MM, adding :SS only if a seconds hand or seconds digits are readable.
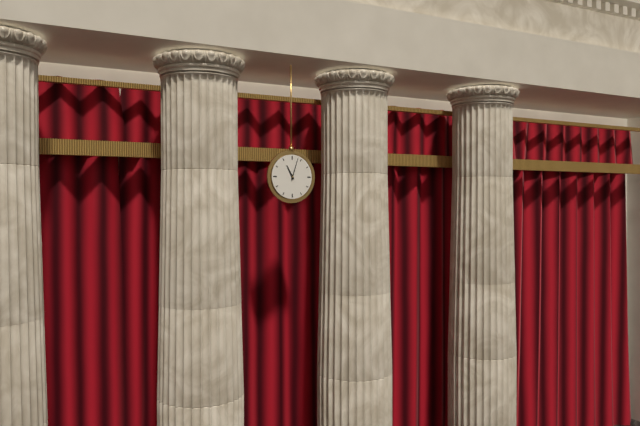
11:03
